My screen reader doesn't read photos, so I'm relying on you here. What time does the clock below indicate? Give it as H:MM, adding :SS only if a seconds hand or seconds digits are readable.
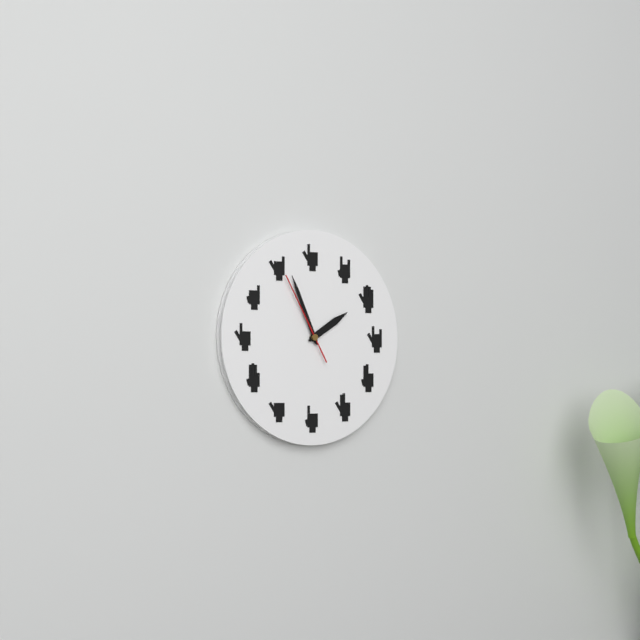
1:56:55
